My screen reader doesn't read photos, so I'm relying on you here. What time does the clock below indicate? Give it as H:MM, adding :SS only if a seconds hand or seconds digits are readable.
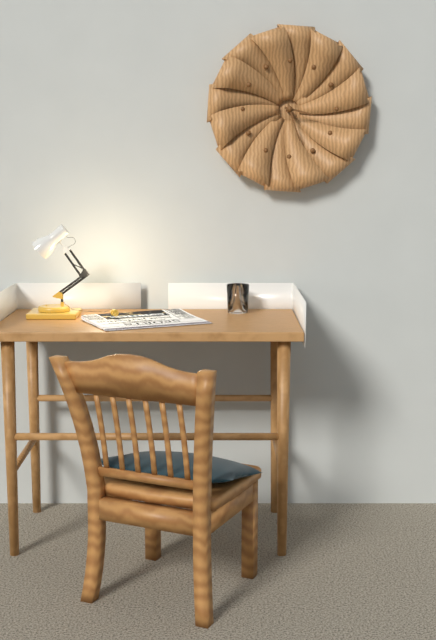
3:27
